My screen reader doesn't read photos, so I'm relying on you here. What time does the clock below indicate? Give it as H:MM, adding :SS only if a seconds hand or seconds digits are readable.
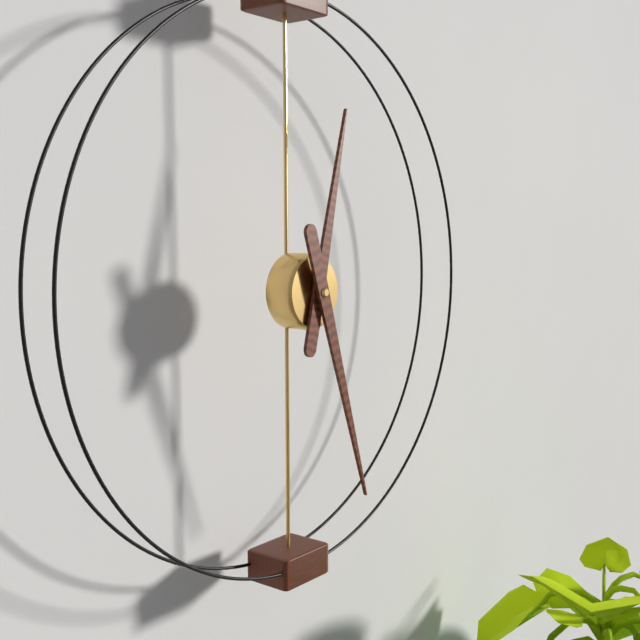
12:27
